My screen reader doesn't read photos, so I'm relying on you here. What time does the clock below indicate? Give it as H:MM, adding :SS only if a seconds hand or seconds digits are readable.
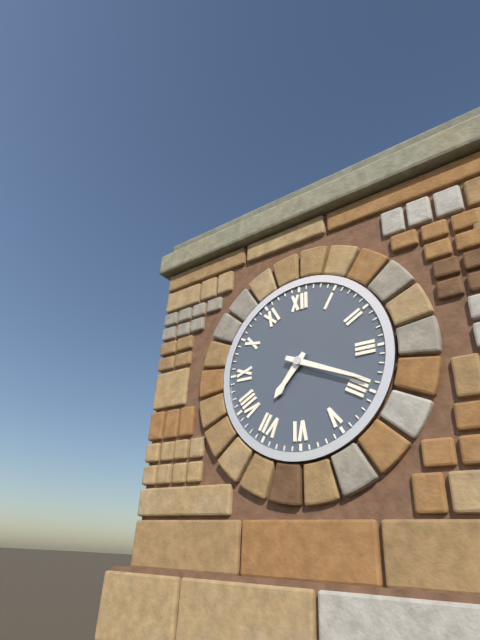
7:19
